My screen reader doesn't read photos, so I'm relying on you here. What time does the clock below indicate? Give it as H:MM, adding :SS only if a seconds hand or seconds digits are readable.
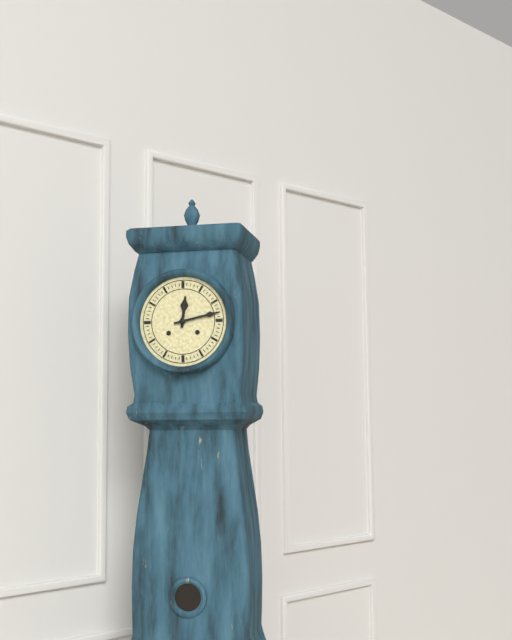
12:13
